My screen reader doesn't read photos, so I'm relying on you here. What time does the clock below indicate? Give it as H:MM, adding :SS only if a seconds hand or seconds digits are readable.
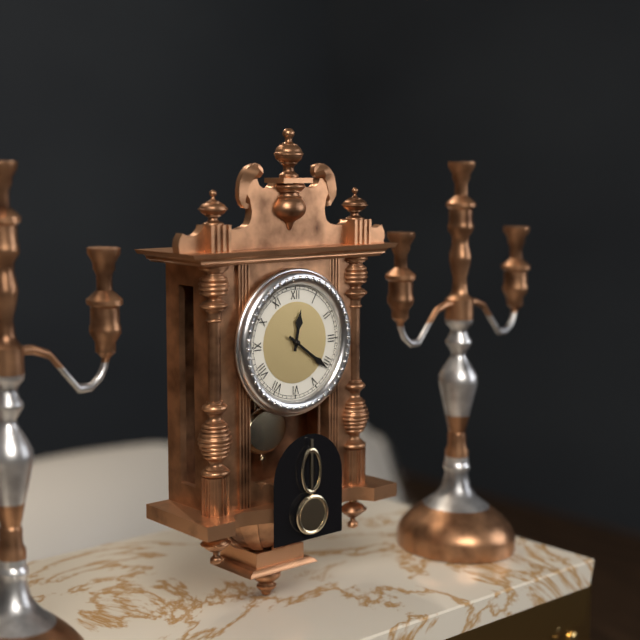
12:21
